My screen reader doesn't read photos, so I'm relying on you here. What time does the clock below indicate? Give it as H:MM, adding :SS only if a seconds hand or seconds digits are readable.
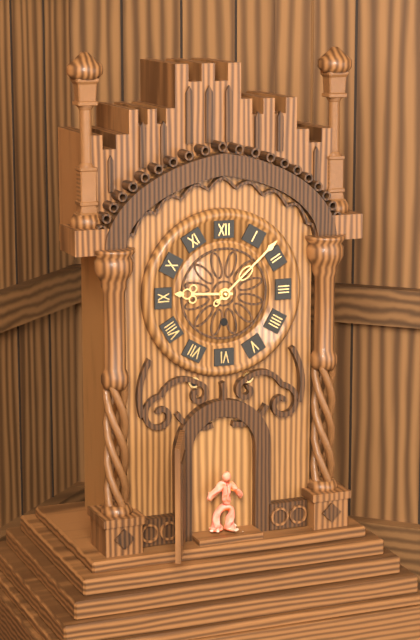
9:08
